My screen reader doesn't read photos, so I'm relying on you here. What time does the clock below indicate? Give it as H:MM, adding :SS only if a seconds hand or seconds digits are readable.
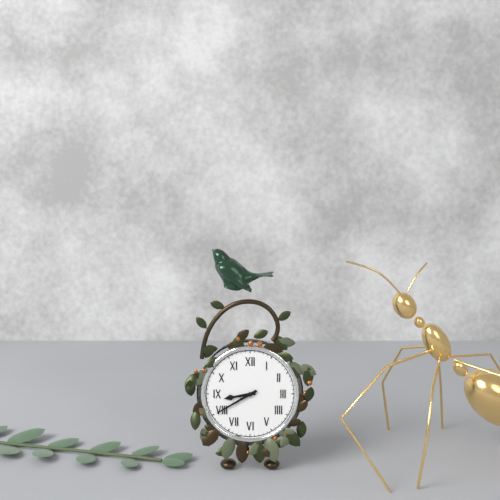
8:40
